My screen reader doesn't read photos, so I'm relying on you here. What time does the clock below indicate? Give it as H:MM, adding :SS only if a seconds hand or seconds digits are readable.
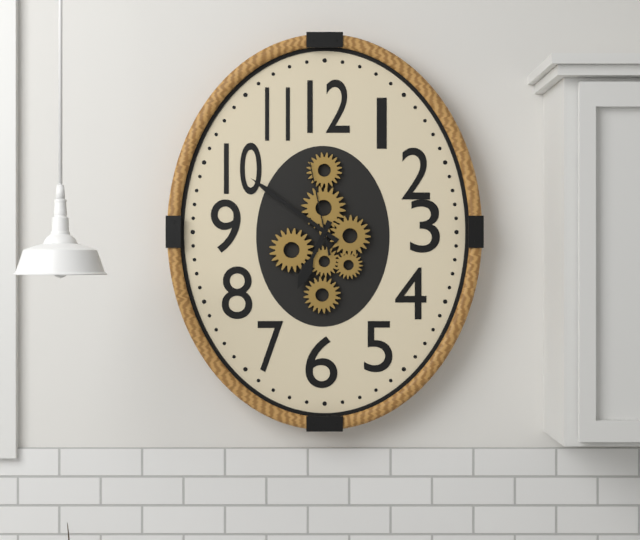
6:51:58
